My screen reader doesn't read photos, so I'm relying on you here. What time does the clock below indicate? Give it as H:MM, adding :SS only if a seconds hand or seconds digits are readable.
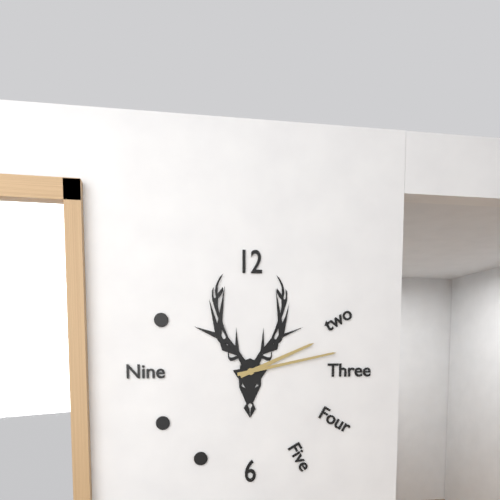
2:13
